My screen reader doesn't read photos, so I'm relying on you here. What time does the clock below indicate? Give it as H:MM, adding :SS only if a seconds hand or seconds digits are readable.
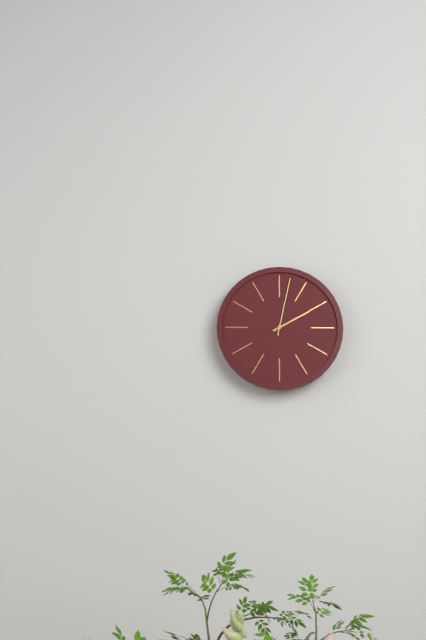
2:02
